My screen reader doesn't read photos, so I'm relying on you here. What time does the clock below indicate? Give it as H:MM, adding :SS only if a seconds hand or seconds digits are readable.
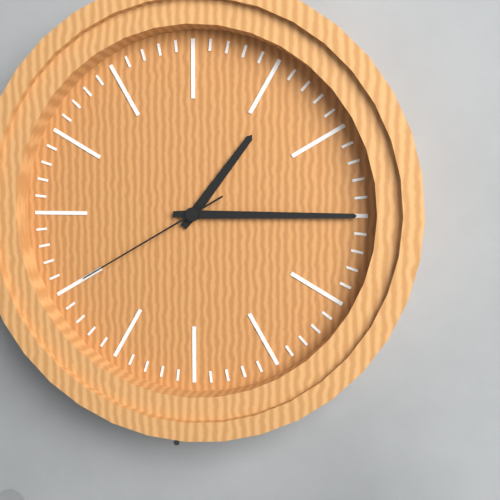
1:15:40
